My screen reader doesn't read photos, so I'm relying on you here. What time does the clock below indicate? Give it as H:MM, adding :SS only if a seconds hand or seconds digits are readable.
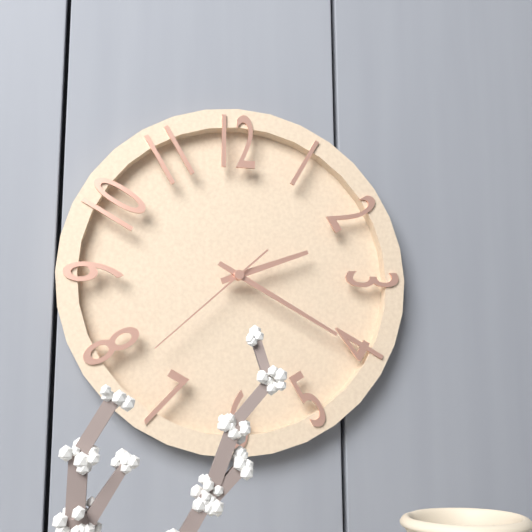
2:20:38
